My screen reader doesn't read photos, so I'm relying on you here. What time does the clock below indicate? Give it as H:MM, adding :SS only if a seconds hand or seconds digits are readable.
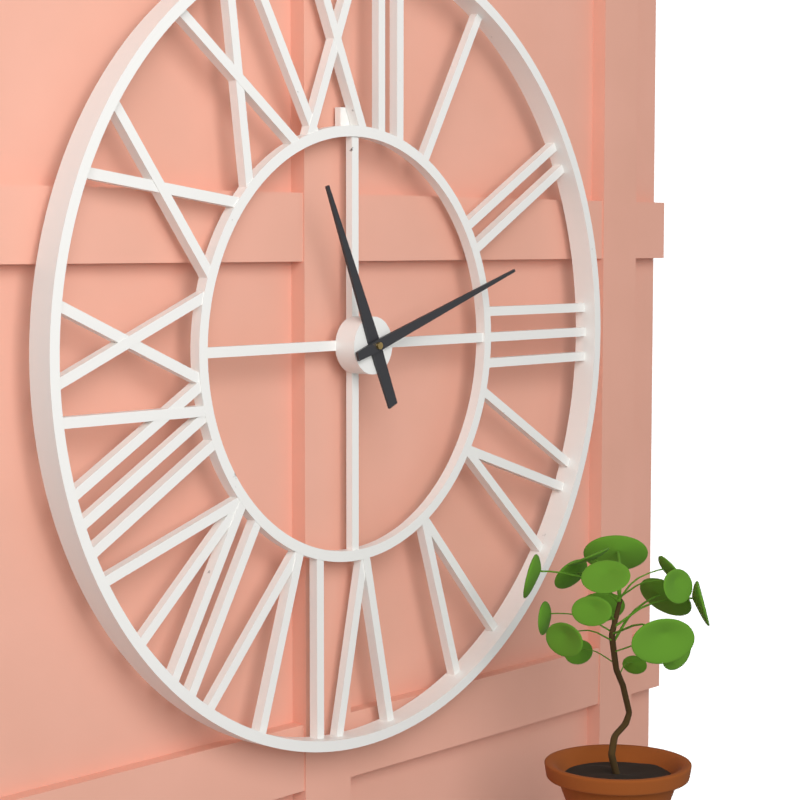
11:12
